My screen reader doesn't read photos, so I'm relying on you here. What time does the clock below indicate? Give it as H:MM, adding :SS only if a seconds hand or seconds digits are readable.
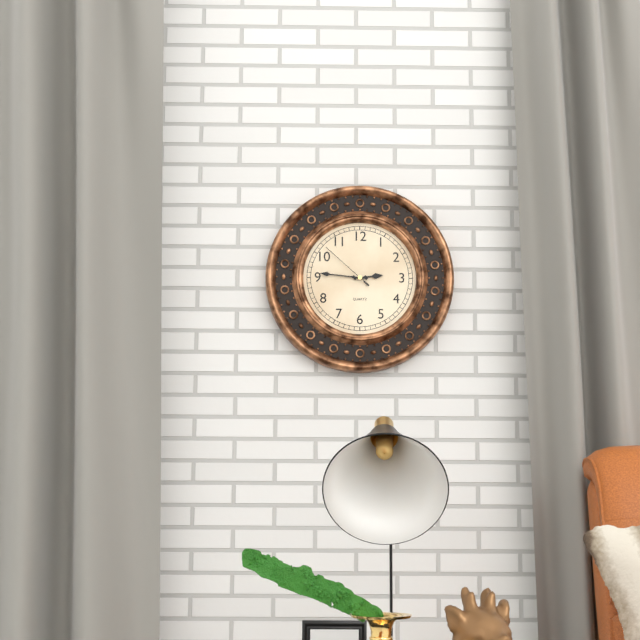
2:46:52
